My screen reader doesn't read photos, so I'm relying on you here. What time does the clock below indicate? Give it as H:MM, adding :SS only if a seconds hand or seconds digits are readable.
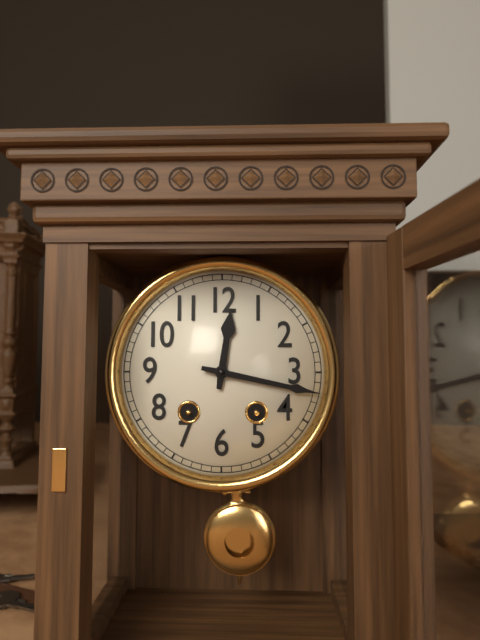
12:17
